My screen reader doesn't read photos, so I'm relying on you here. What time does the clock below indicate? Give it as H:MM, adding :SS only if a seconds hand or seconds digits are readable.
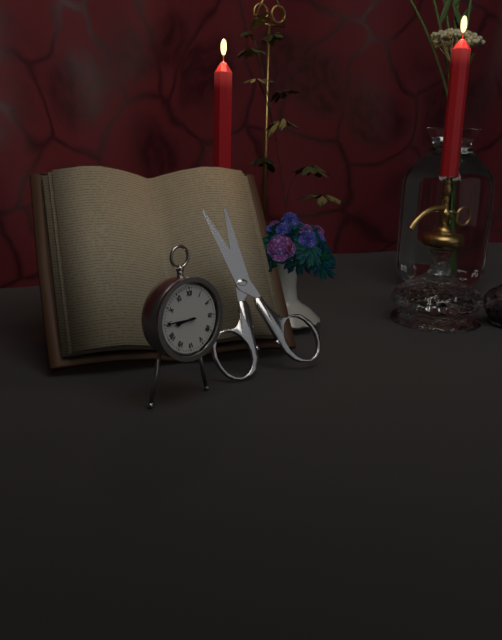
8:45
